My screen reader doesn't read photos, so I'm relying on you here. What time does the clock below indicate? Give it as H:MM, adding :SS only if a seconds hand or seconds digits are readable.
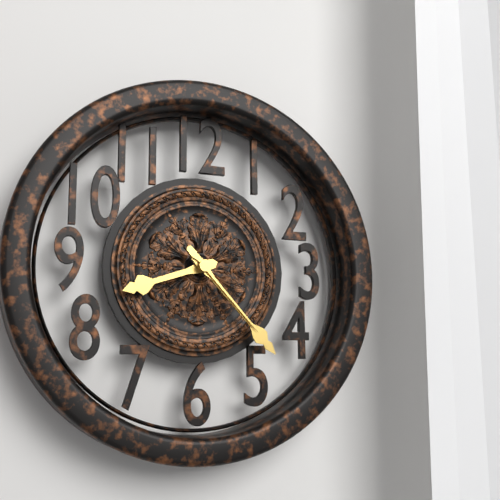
8:23:23
